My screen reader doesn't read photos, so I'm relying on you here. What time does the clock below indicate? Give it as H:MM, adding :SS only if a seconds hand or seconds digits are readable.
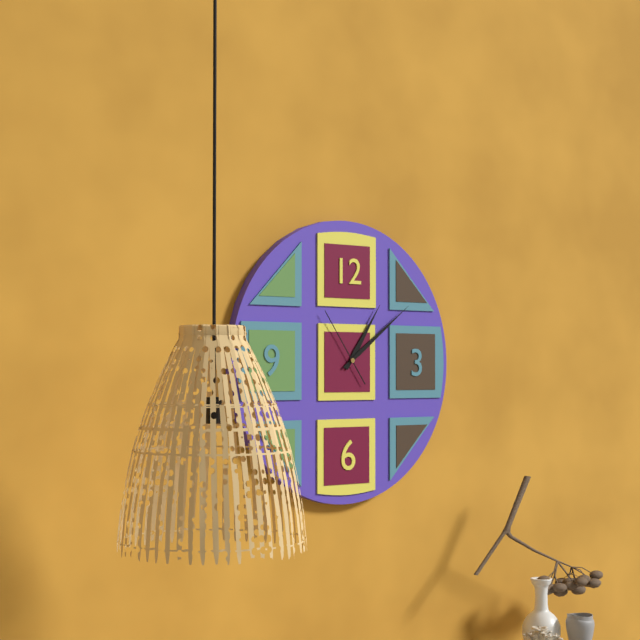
1:09:54
